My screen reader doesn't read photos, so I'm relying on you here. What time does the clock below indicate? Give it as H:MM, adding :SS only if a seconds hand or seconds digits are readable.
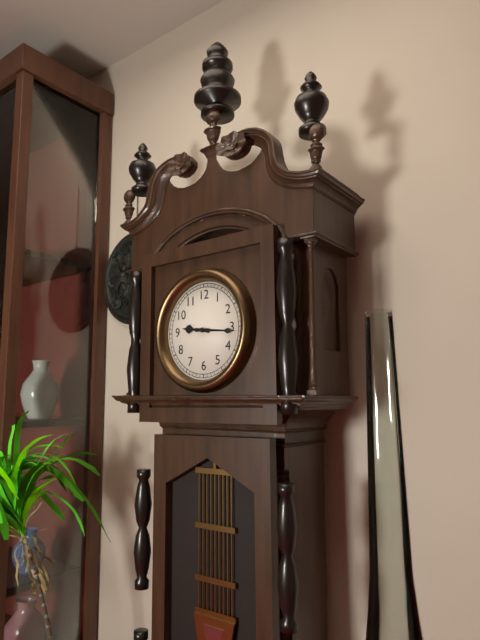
9:16
